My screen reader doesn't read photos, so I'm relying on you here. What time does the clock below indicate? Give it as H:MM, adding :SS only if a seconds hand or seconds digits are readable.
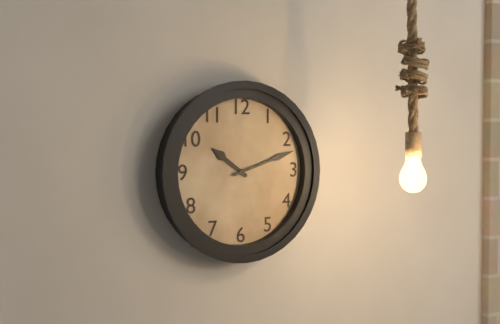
10:12
